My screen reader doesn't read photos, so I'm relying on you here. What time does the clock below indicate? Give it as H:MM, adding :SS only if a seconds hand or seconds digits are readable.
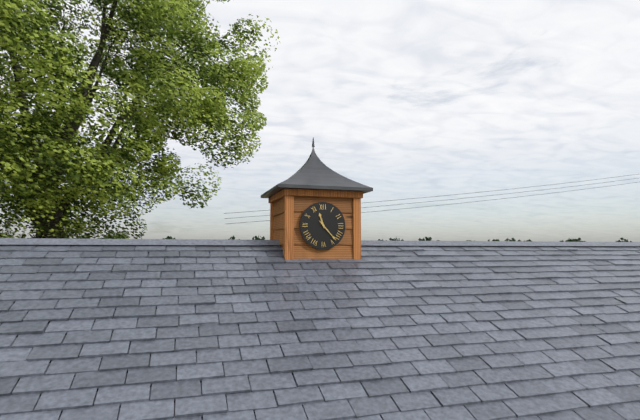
11:23
